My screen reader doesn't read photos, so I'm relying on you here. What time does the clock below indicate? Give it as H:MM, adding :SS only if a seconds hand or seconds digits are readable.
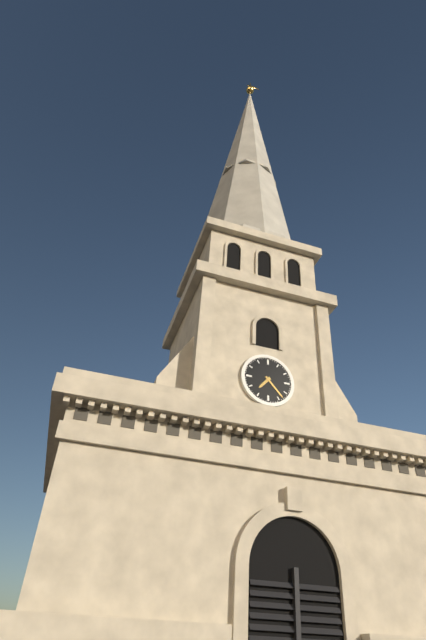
7:23
